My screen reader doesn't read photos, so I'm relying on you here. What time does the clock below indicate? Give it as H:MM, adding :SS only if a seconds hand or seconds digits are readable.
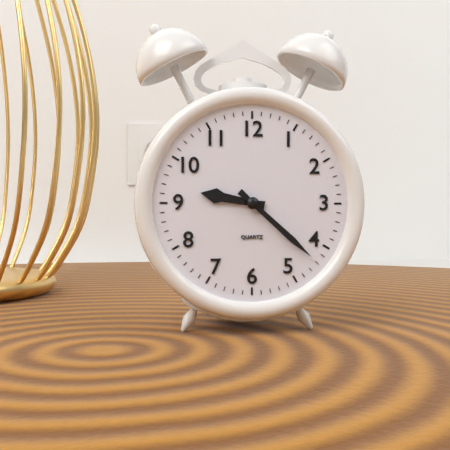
9:22
